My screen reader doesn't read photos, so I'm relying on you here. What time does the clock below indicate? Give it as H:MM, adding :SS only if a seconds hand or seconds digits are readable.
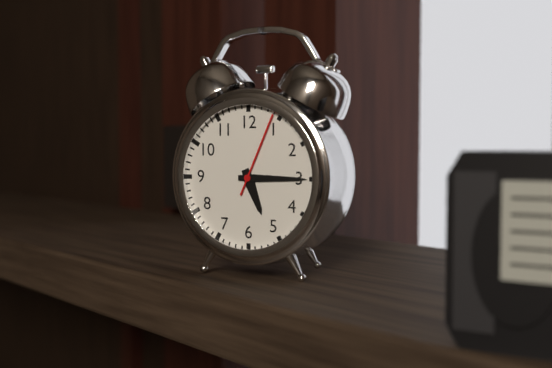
5:15:04
